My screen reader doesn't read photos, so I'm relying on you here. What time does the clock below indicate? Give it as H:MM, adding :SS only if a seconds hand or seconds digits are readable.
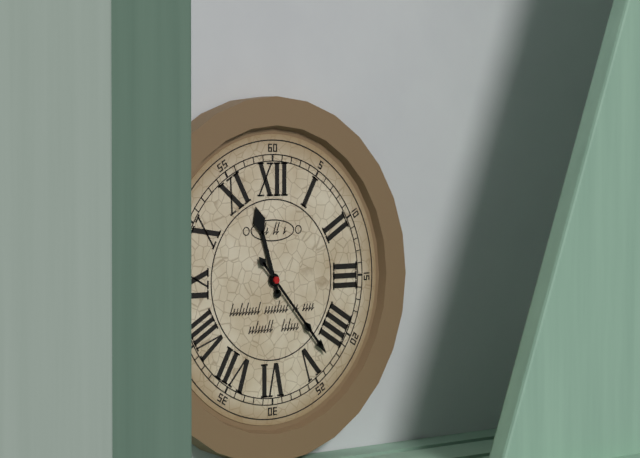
11:23
